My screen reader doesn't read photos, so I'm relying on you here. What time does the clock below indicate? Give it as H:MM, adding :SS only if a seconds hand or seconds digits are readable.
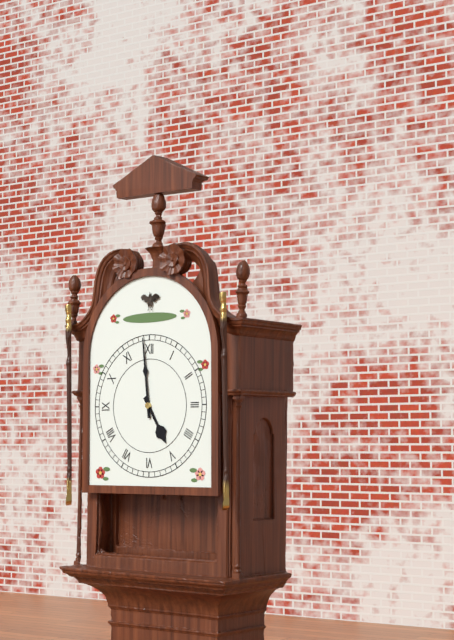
4:59
